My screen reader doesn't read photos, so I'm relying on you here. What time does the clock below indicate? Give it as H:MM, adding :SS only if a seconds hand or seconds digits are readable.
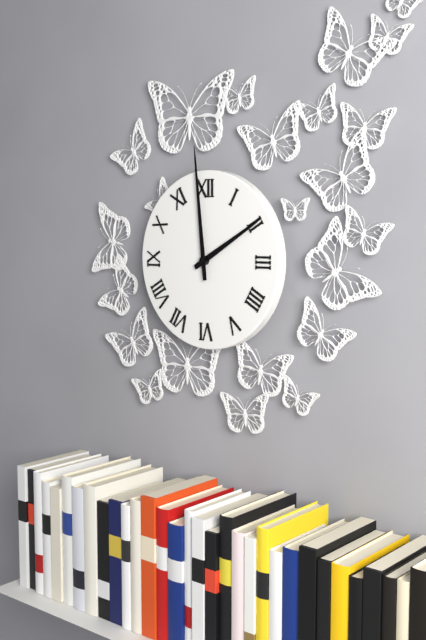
1:59
